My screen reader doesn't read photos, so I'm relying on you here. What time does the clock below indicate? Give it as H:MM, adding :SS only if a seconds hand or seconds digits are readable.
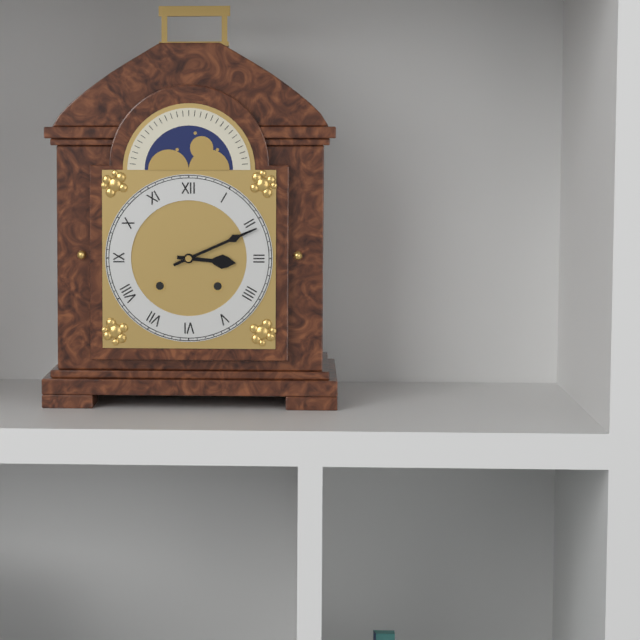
3:11
